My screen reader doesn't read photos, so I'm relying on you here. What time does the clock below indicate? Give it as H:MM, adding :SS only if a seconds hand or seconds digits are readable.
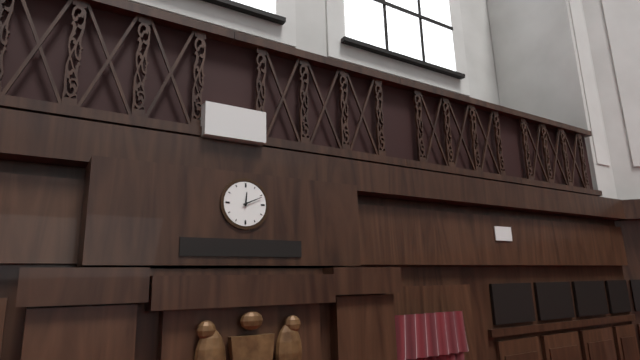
12:11
